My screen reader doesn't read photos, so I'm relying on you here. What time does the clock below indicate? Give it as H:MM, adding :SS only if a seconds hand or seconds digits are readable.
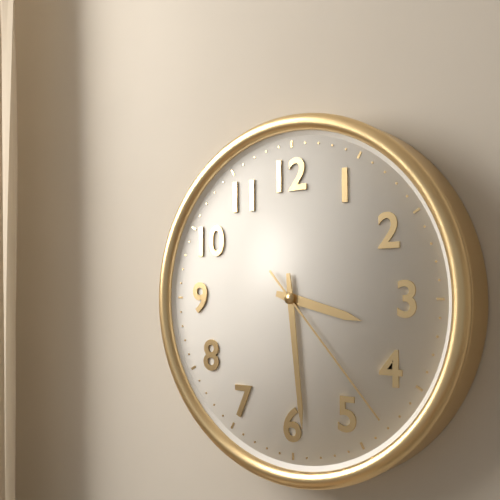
3:29:23
